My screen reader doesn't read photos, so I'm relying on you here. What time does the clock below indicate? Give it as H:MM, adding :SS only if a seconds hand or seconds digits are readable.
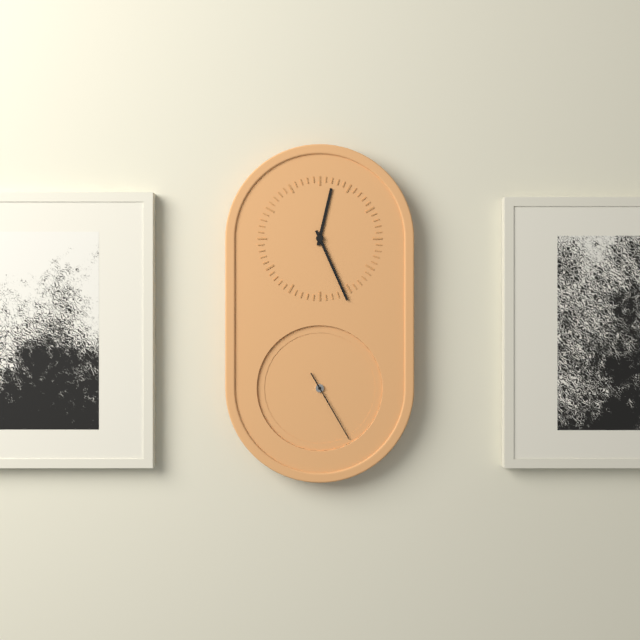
12:26:25
